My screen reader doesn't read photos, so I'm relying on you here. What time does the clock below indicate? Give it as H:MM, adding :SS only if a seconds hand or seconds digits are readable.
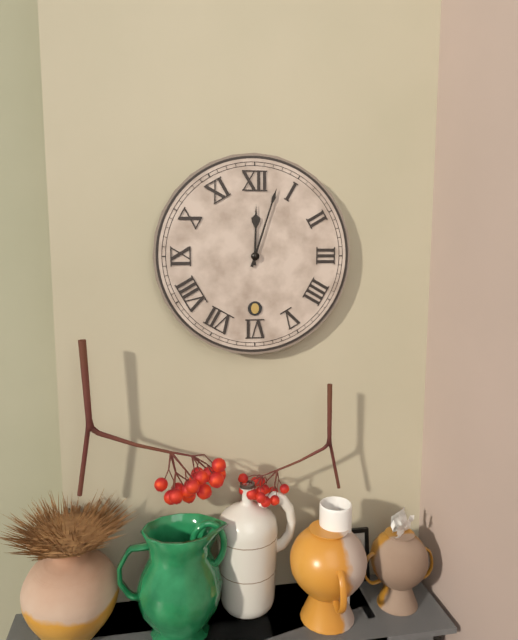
12:03
